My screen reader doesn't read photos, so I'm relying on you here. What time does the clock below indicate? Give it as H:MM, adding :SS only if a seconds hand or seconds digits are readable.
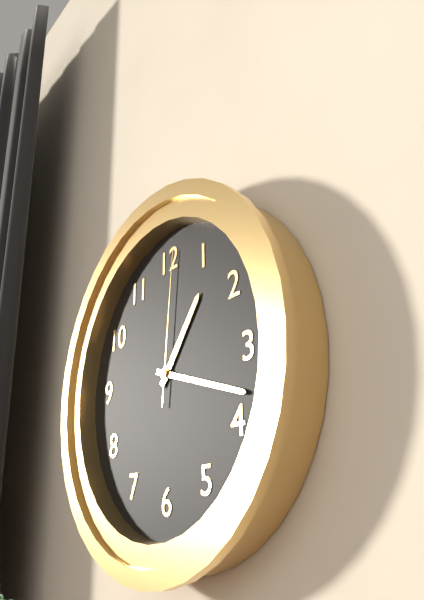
1:18:01
